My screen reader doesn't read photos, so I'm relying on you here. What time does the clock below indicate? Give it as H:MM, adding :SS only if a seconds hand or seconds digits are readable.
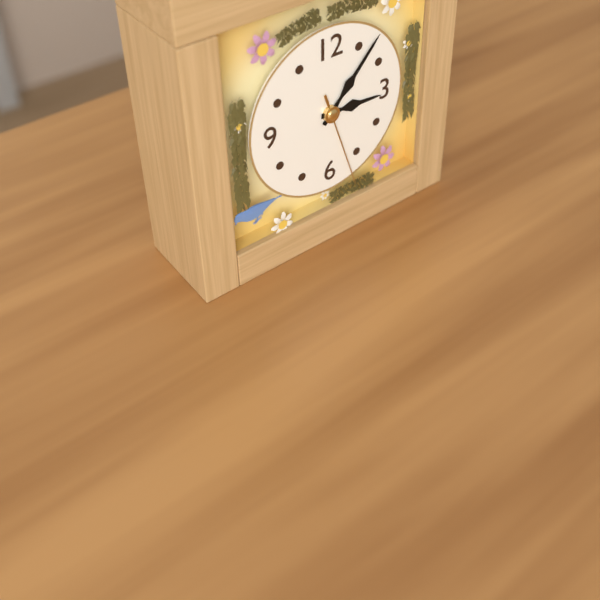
3:07:27
